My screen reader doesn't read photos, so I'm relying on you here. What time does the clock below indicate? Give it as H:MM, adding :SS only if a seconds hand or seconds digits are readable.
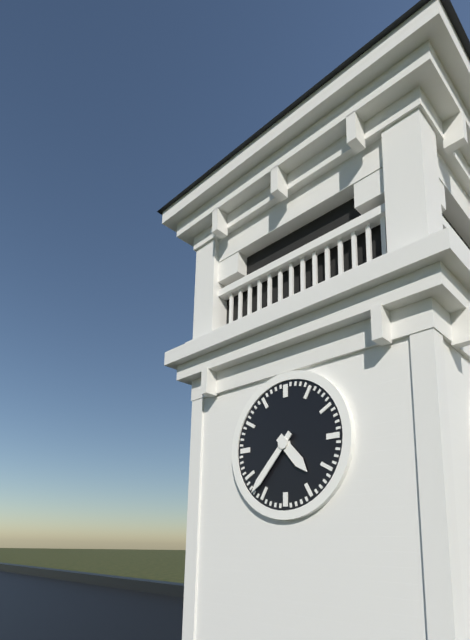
4:37
